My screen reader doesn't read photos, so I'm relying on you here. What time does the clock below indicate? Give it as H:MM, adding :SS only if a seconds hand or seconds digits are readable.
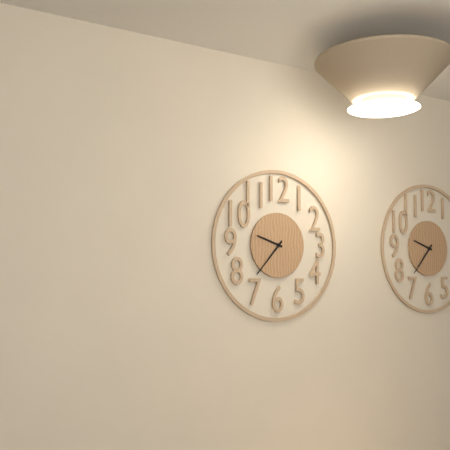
9:37
